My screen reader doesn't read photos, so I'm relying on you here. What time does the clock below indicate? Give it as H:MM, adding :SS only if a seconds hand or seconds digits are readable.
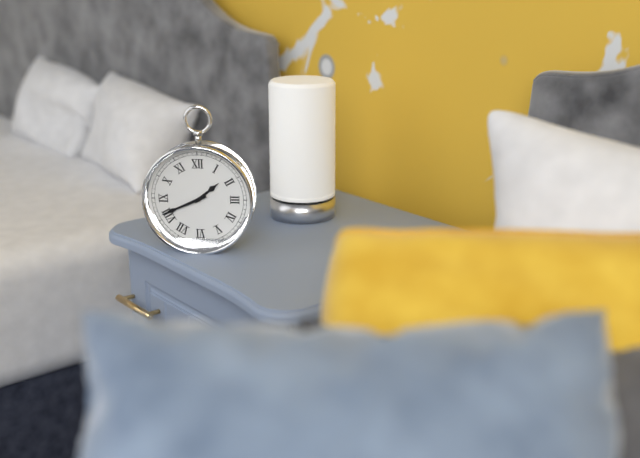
1:41
